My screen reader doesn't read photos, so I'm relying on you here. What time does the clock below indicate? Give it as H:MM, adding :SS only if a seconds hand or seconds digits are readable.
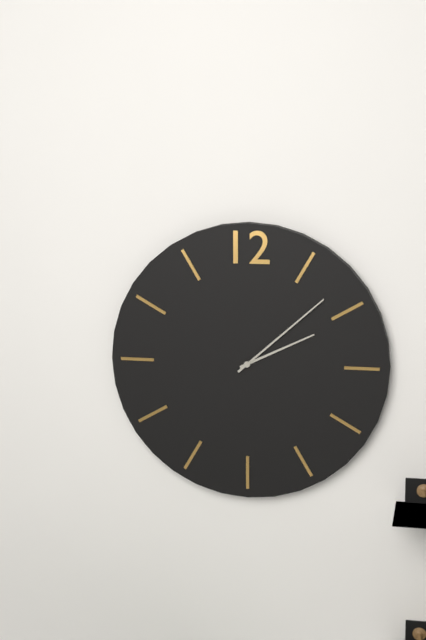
2:08
